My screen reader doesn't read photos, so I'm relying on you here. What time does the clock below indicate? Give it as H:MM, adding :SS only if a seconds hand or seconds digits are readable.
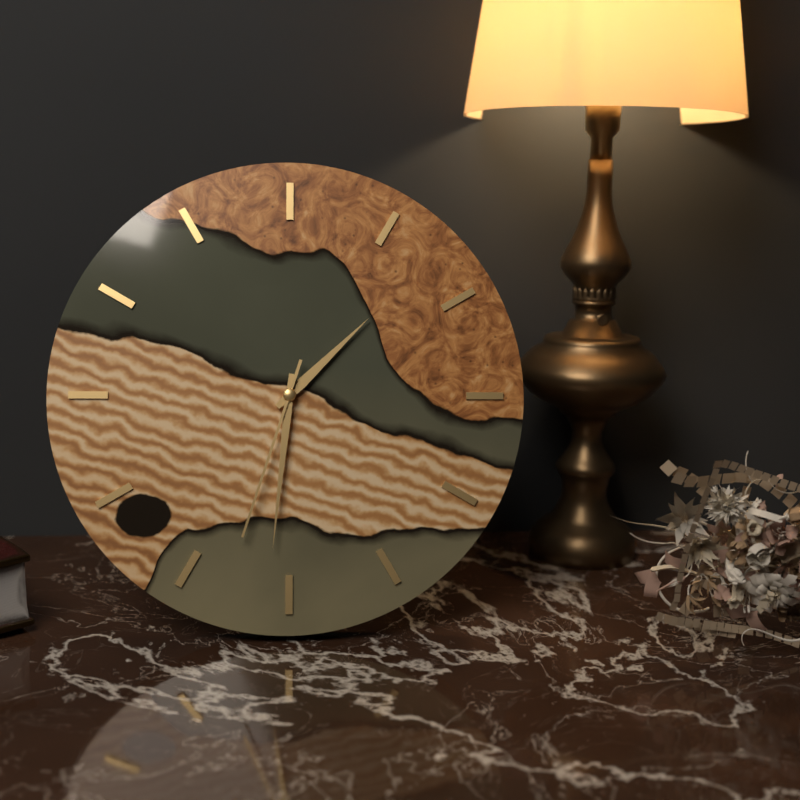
1:31:33
